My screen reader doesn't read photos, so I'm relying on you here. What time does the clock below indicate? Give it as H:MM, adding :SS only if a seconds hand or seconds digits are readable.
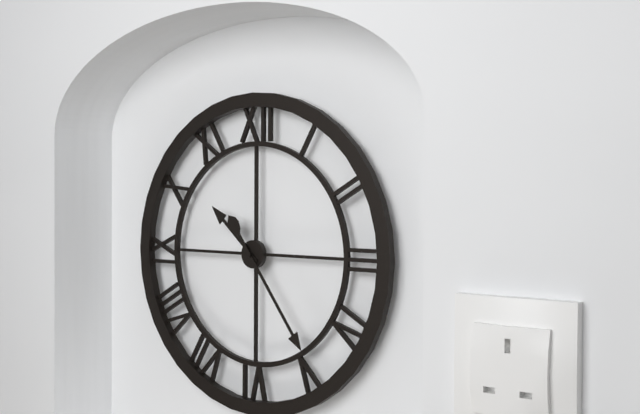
10:24
